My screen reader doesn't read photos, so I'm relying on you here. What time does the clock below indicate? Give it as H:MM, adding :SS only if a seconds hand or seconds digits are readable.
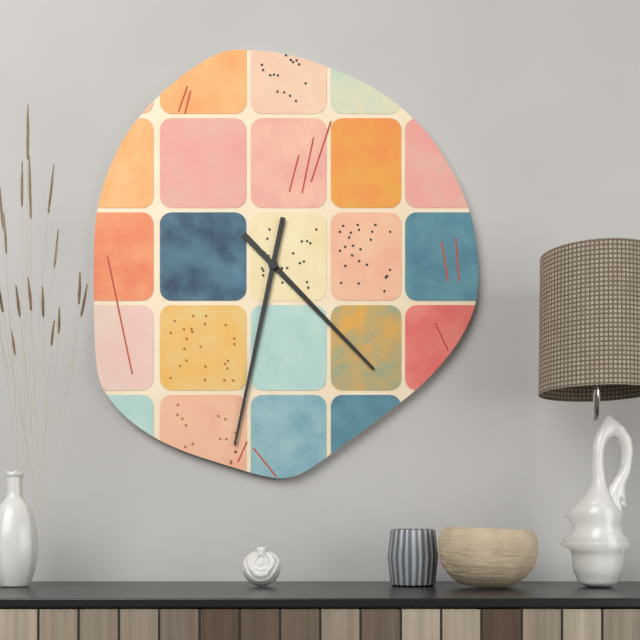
4:32
